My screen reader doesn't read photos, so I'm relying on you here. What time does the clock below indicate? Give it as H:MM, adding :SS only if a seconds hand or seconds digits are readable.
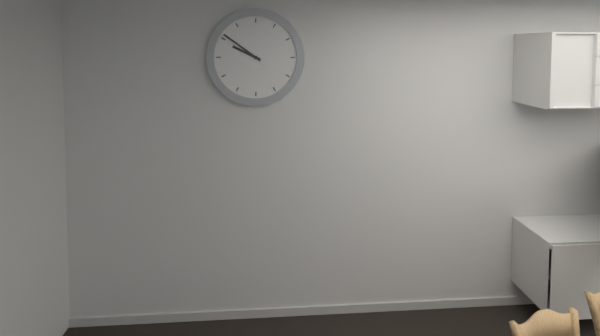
9:51
